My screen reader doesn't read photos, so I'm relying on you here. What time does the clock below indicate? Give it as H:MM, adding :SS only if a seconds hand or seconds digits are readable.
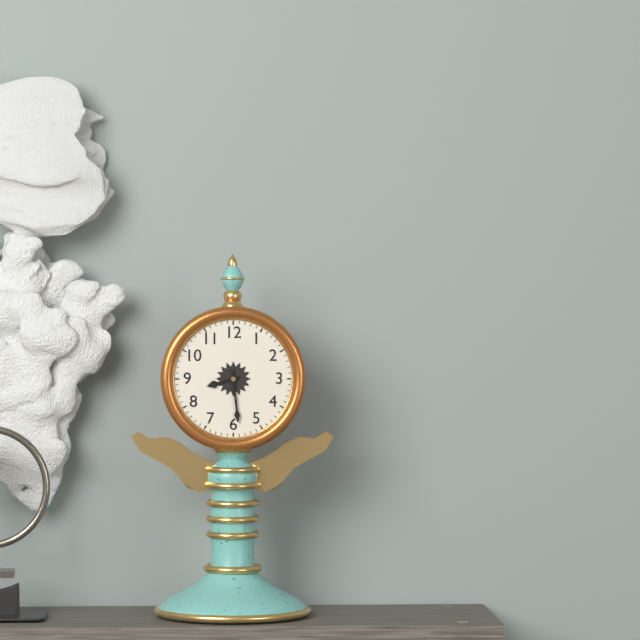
8:29
